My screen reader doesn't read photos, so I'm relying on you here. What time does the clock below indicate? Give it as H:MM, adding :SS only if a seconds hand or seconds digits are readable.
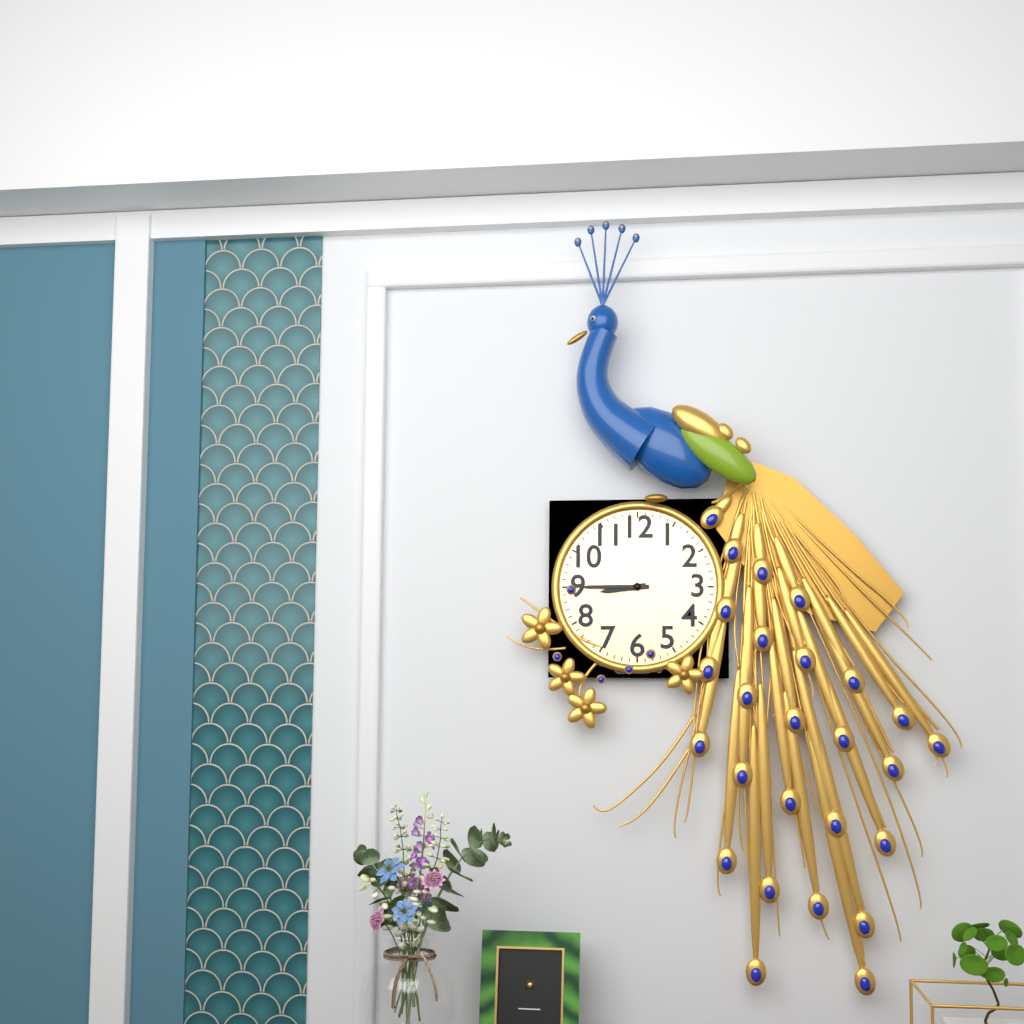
8:45
